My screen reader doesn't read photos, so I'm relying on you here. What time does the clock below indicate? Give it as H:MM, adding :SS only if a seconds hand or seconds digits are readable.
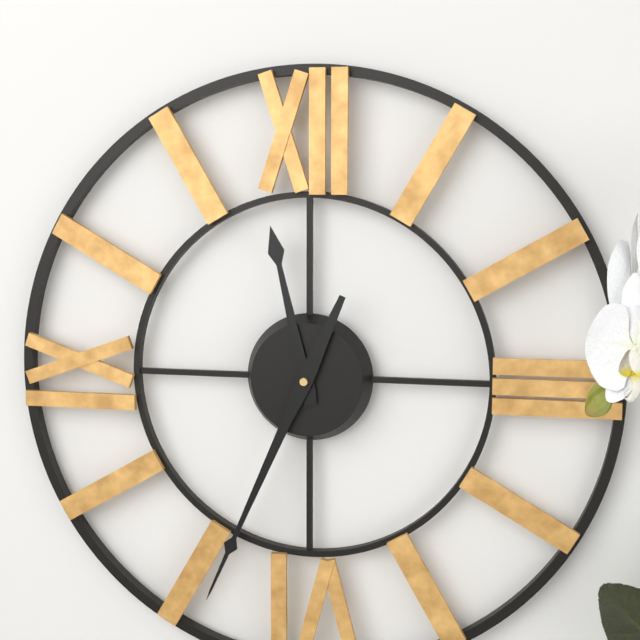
11:34
